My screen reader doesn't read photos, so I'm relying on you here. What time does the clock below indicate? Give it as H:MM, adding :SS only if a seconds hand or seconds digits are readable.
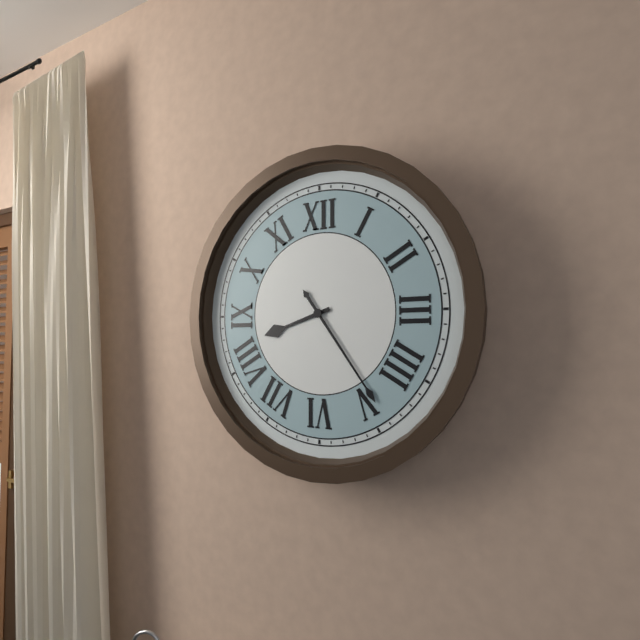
8:24
